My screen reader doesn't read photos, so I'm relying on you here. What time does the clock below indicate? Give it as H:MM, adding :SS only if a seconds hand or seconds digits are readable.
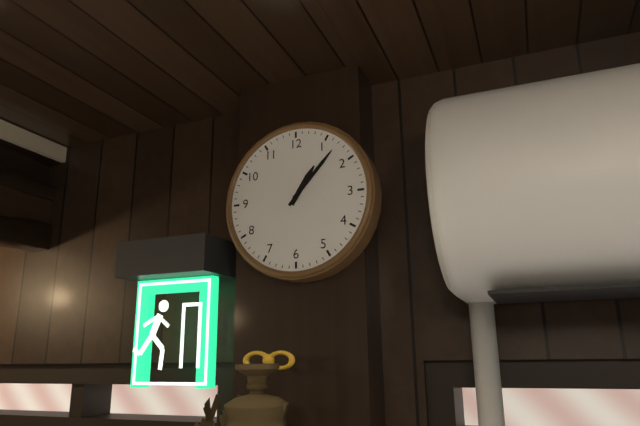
1:07
